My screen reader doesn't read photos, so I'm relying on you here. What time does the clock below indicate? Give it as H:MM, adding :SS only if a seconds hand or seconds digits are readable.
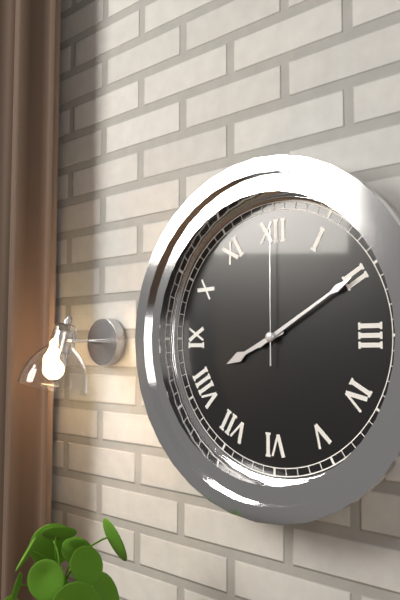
8:10:00
